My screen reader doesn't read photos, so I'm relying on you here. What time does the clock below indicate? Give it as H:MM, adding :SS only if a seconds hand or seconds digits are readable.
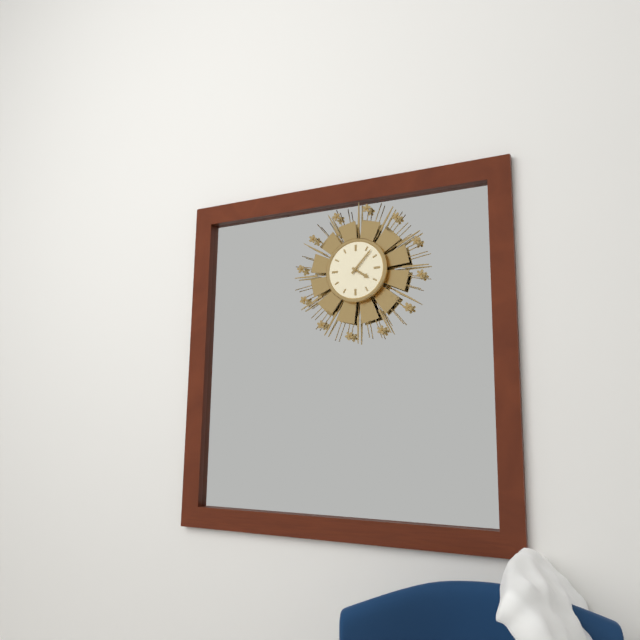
4:07
